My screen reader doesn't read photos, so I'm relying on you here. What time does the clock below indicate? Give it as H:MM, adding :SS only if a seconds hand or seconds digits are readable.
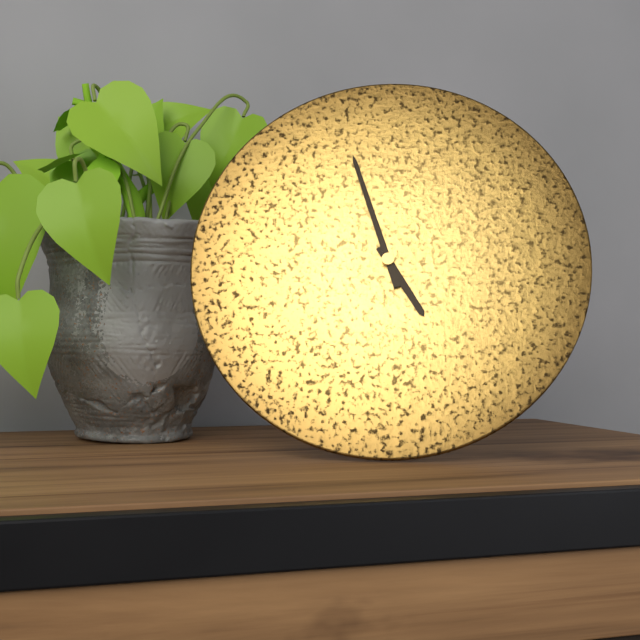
4:57
